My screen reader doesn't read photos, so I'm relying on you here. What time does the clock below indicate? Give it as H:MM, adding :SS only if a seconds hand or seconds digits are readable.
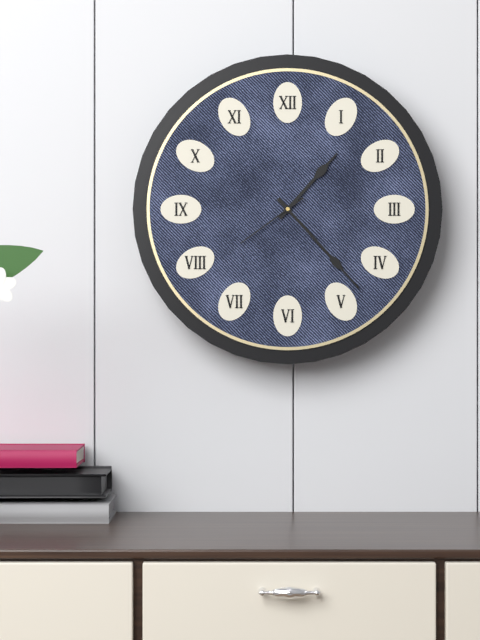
1:23:39
